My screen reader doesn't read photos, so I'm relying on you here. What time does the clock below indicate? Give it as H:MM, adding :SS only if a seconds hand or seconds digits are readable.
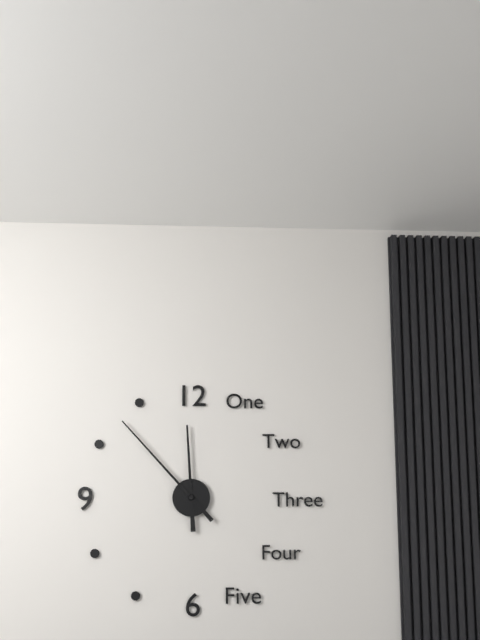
11:53
